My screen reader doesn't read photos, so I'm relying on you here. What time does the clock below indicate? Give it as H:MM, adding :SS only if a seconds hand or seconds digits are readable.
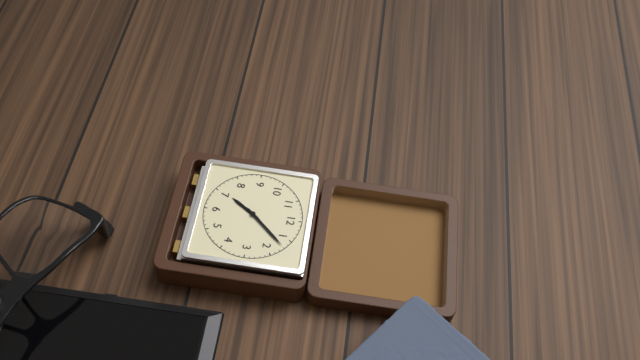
7:07
